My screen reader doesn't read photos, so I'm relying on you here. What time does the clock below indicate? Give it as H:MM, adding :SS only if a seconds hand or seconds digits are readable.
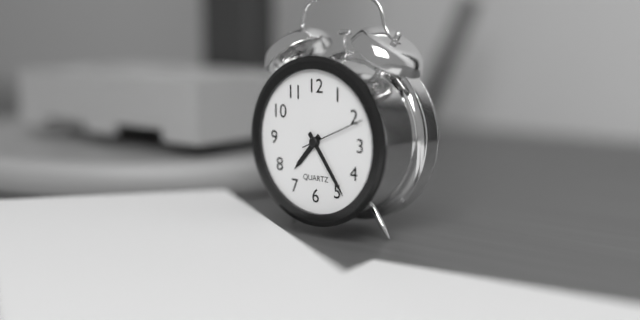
7:24:11
